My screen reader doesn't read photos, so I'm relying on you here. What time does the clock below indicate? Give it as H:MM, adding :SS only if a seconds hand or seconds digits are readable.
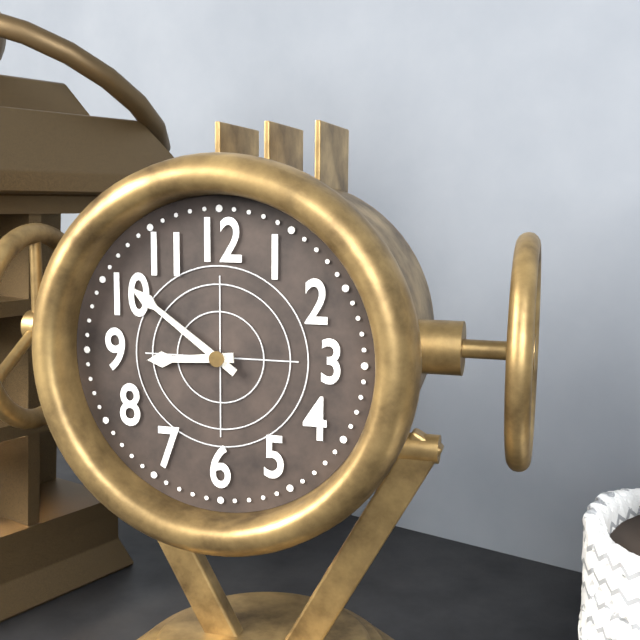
8:51
